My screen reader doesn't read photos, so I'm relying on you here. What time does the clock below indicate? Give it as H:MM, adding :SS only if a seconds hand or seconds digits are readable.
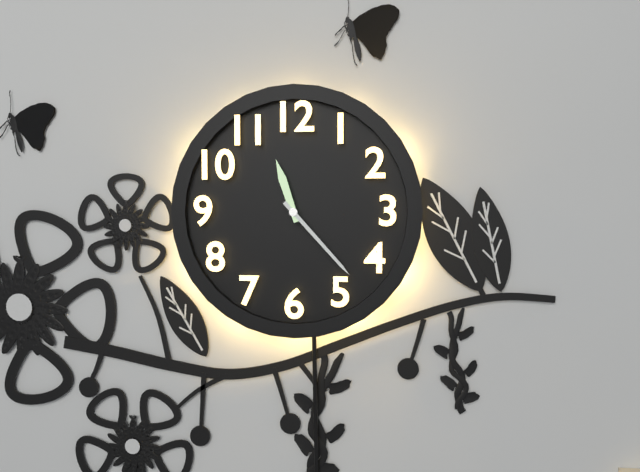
11:23
